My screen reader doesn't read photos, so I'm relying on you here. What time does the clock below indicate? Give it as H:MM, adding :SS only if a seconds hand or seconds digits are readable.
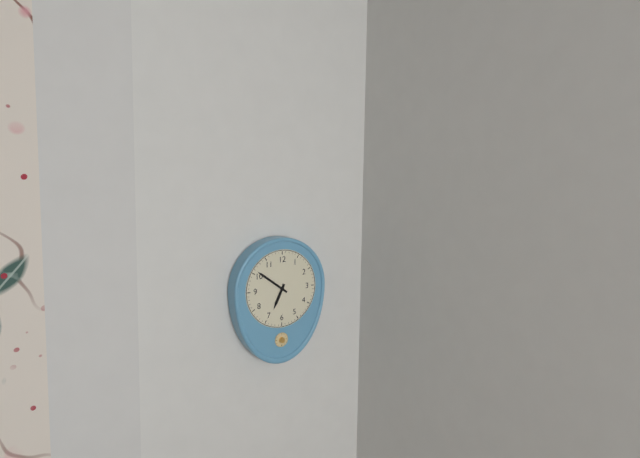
6:51
